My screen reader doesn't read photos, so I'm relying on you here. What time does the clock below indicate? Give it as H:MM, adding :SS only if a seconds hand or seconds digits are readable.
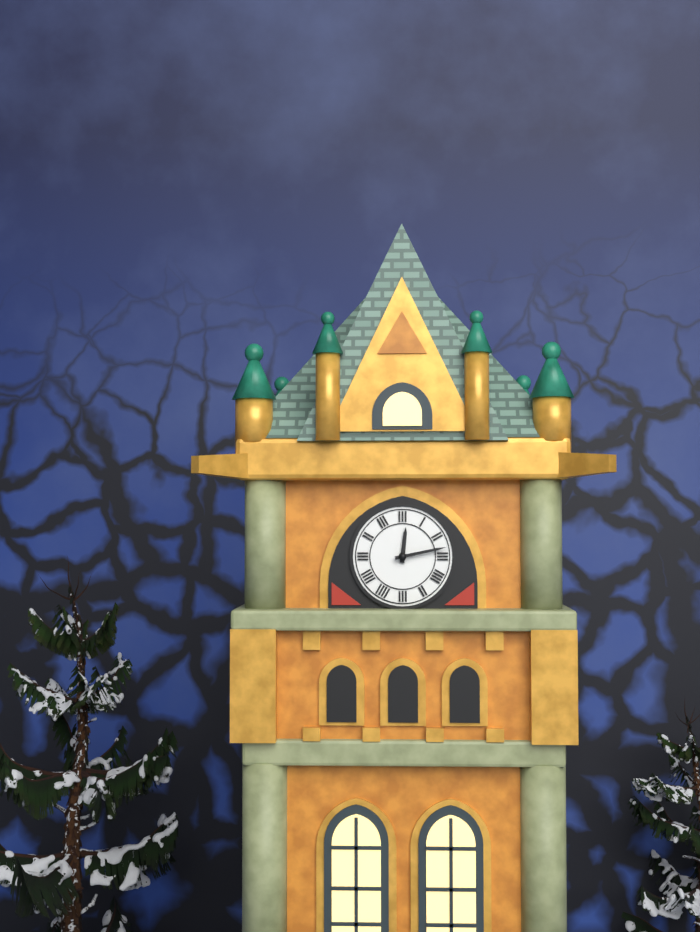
12:13
